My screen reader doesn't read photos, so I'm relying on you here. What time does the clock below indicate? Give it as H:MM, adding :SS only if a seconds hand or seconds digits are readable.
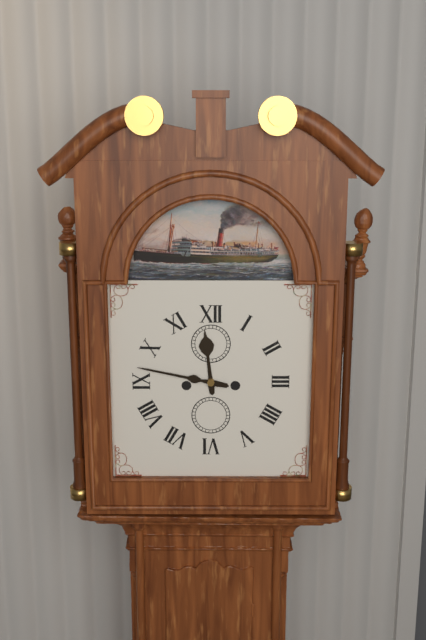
11:47
